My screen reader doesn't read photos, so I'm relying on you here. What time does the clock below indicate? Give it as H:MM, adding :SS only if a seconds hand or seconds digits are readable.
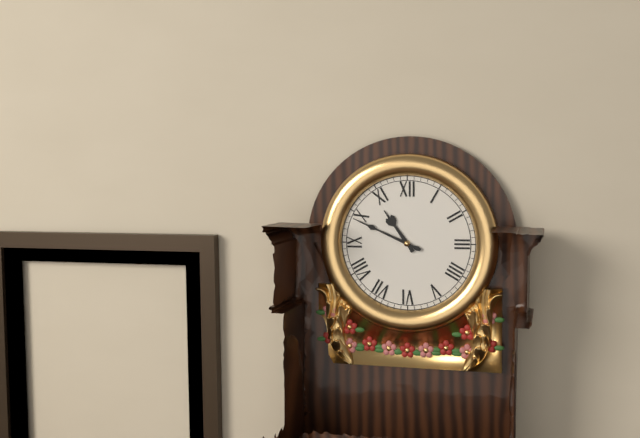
10:49
